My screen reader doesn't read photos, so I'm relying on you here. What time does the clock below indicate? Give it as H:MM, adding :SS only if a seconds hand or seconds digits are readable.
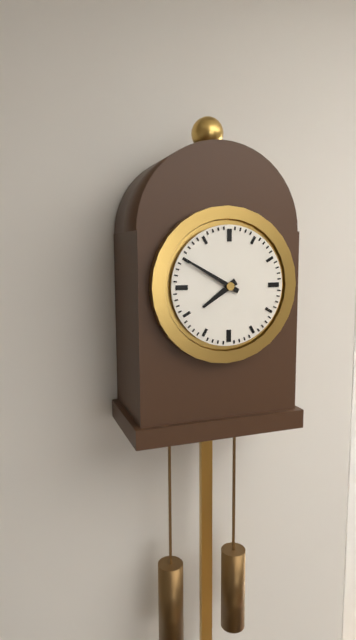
7:50
